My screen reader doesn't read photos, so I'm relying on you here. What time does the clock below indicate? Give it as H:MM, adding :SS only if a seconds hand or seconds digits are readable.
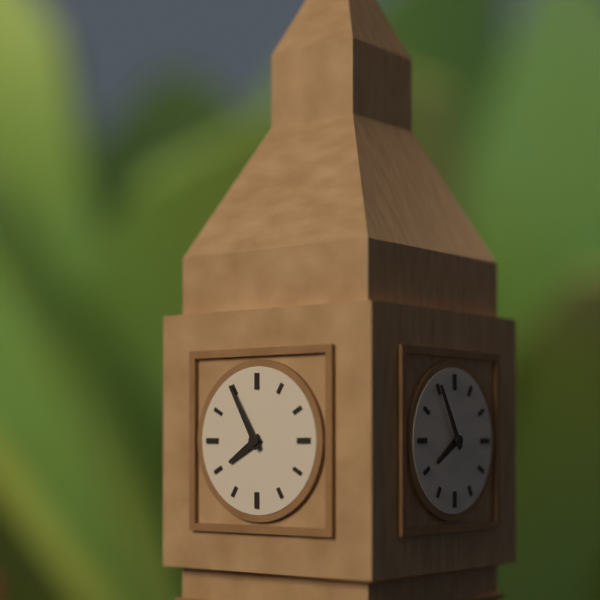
7:55
